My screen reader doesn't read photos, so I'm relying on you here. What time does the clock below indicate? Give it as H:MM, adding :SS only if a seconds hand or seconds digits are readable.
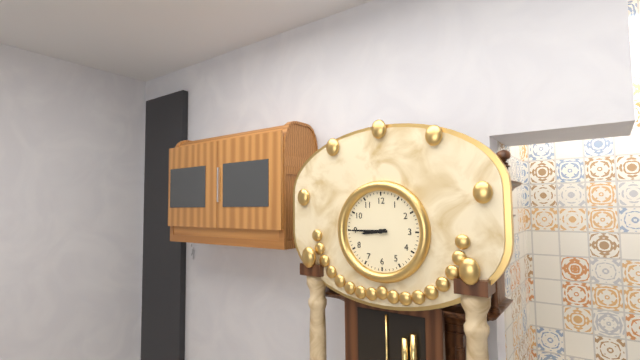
8:45
